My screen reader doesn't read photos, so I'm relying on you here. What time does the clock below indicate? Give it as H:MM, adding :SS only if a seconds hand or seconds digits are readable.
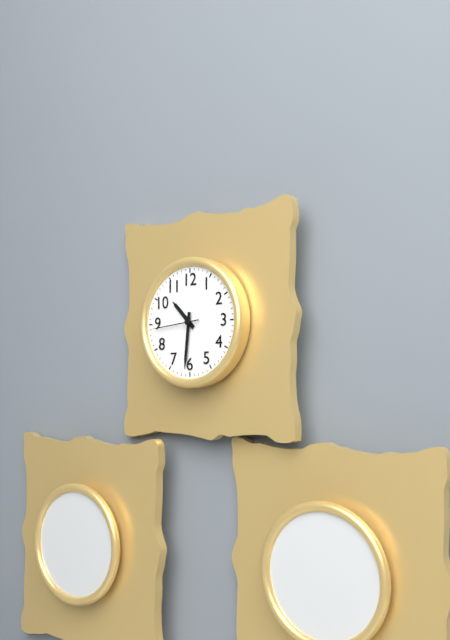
10:31
